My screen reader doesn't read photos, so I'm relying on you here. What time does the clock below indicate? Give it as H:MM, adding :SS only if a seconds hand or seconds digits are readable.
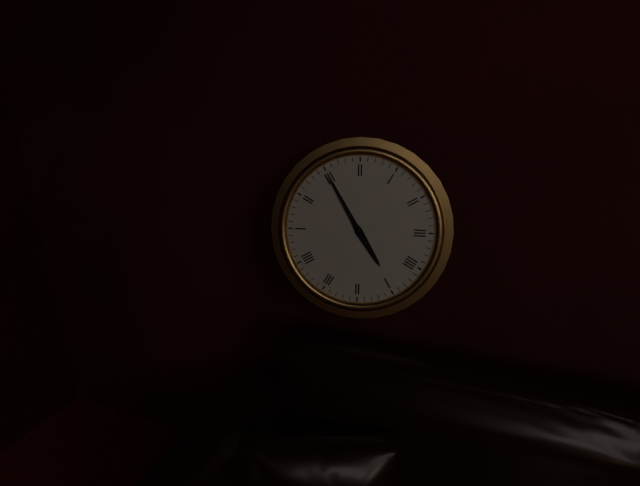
4:55
